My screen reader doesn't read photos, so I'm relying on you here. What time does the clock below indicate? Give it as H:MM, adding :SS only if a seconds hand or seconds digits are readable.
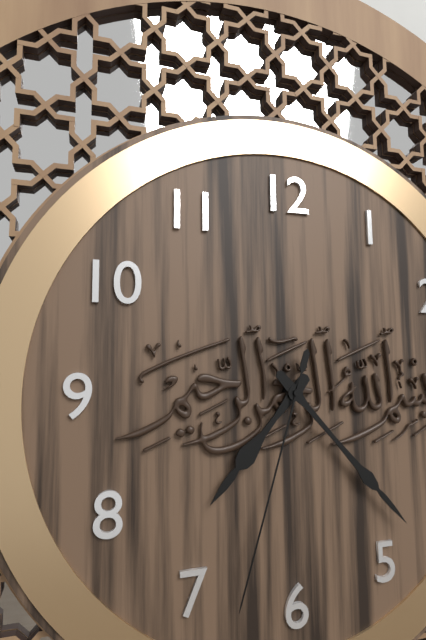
7:23:33
